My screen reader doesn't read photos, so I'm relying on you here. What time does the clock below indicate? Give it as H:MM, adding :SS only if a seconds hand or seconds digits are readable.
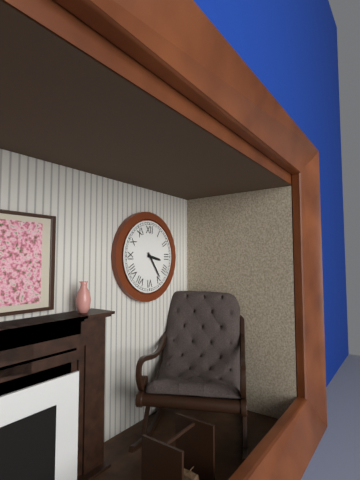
3:24
